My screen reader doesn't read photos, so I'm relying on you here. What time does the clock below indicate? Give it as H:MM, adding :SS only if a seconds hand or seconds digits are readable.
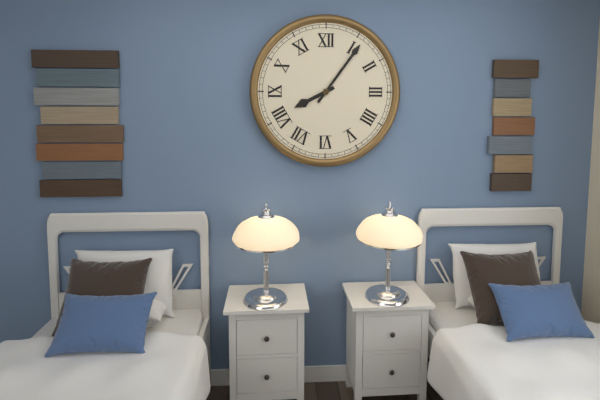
8:06
